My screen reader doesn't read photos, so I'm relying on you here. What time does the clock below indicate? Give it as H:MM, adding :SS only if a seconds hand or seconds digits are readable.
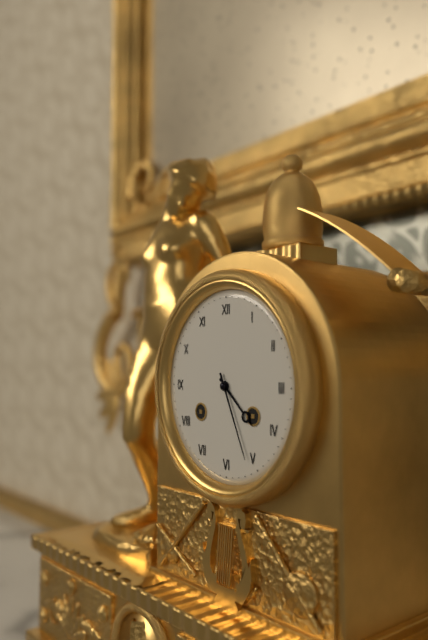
4:26
